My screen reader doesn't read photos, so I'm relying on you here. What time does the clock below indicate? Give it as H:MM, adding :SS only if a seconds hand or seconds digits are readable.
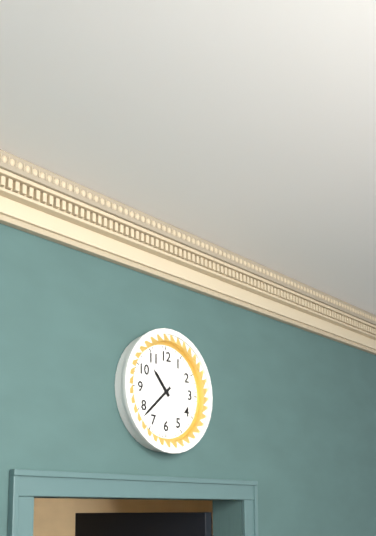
10:38
